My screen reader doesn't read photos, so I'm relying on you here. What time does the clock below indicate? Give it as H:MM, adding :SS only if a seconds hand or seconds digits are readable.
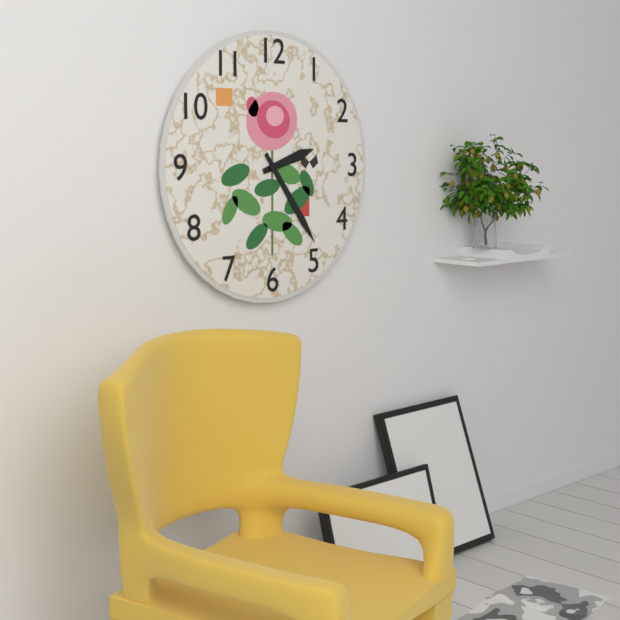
2:24
